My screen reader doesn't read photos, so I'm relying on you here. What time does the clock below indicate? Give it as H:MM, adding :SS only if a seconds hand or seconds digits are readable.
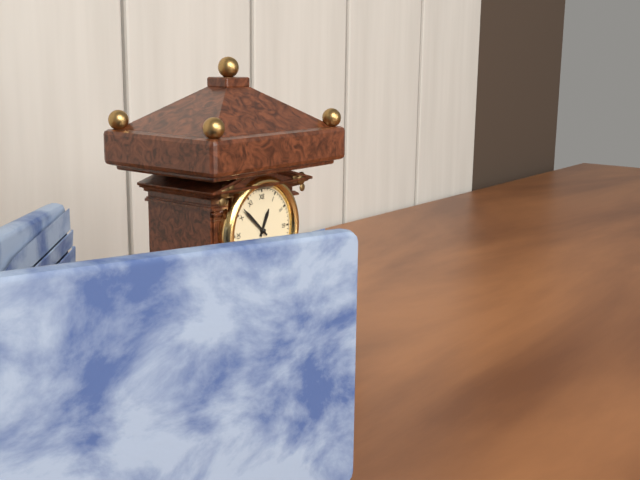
12:52
